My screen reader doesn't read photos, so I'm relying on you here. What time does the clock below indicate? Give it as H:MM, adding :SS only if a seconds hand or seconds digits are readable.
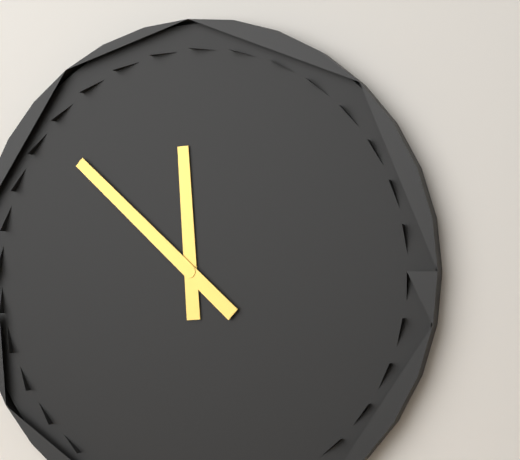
11:52
